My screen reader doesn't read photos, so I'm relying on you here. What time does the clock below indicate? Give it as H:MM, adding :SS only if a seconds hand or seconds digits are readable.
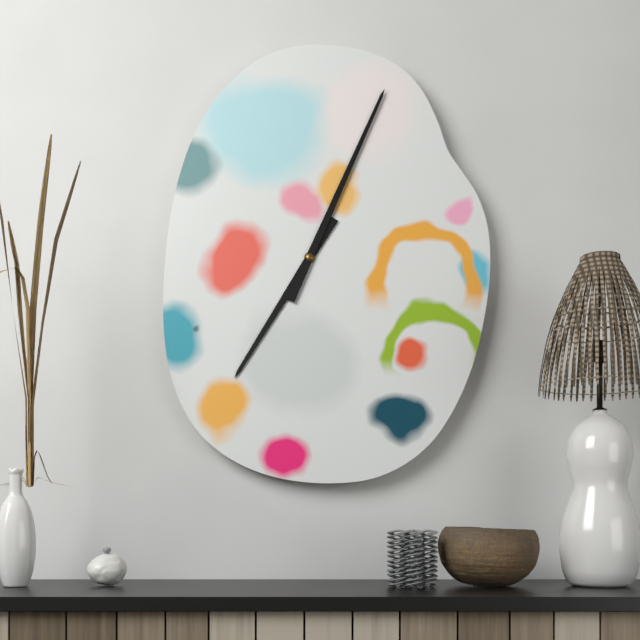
7:04
